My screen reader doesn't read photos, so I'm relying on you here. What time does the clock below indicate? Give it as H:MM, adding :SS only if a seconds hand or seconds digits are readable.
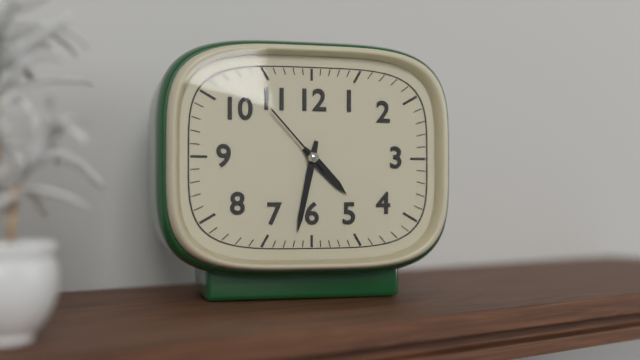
4:32:53
